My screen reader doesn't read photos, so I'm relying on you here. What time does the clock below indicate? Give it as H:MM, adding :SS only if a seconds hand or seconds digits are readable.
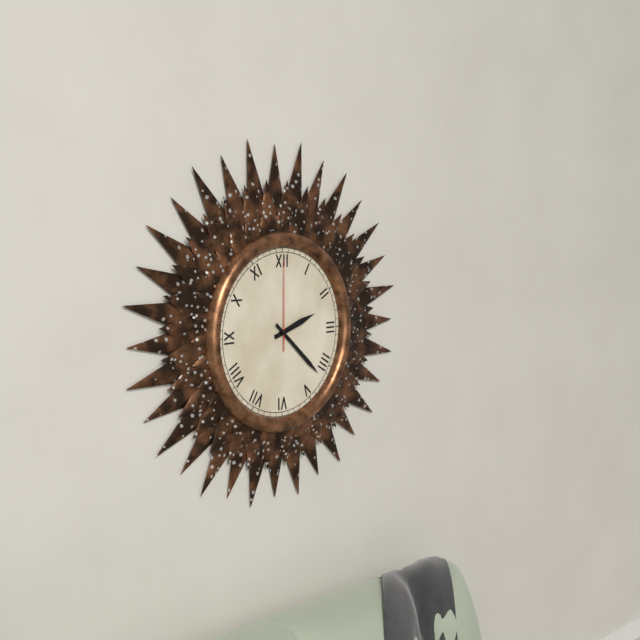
2:22:00
